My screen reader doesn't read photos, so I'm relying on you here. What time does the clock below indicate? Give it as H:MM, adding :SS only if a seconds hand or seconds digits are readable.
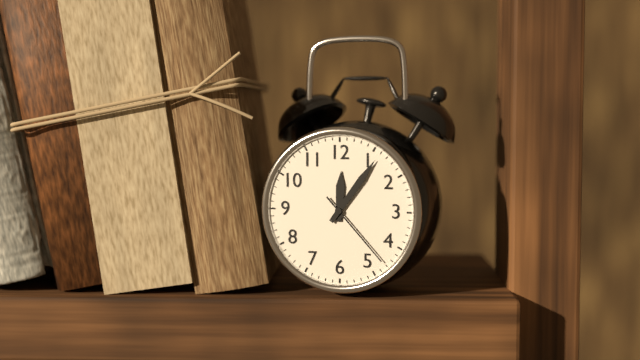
12:06:23
